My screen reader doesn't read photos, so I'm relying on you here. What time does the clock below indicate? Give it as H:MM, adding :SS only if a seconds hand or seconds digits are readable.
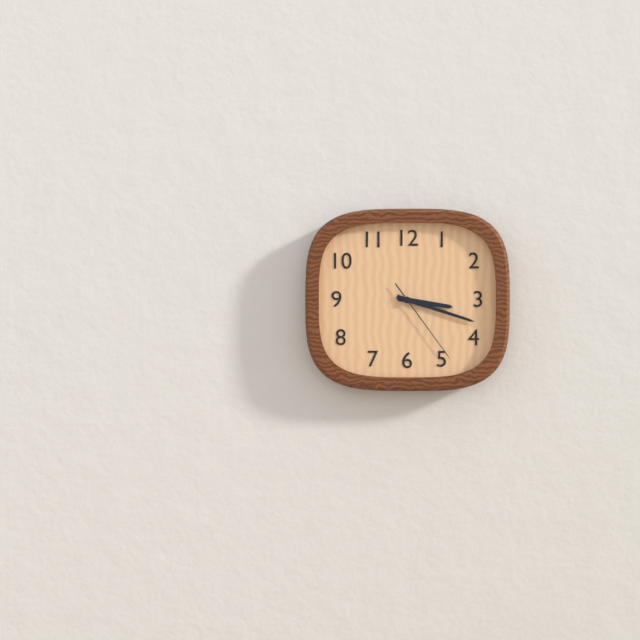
3:18:24
